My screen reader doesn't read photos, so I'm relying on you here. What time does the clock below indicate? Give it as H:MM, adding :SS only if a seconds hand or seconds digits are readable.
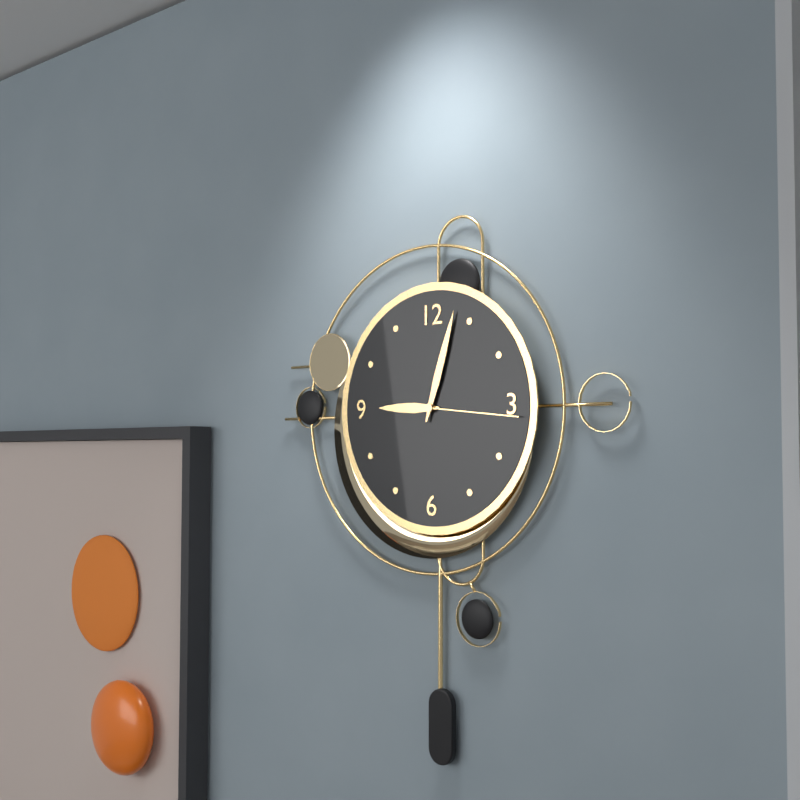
9:03:16
